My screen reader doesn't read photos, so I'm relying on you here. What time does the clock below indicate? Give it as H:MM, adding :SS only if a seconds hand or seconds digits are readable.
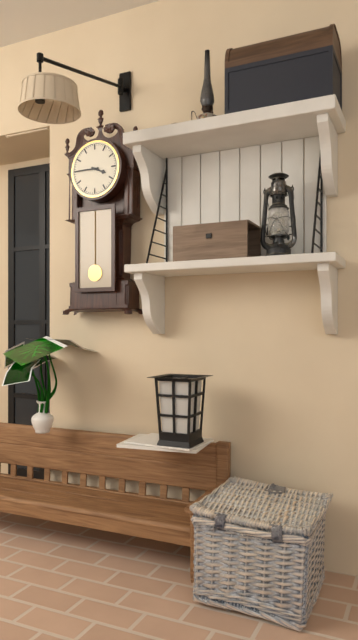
3:45
